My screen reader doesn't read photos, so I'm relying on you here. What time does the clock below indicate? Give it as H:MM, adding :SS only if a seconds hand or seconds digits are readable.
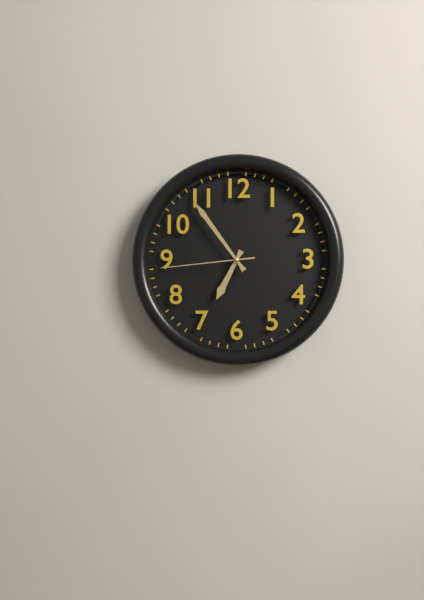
6:54:44
